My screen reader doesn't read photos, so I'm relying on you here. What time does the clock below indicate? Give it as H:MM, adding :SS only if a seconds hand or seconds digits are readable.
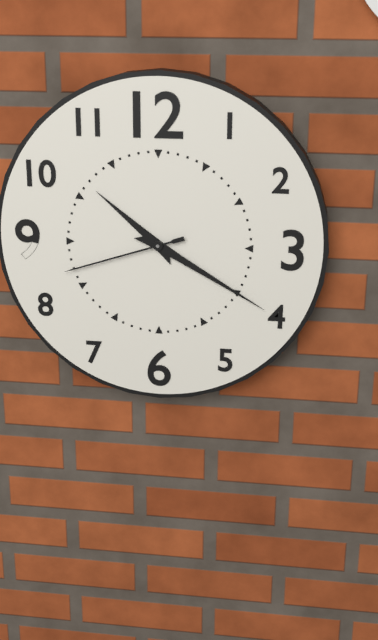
10:20:42
